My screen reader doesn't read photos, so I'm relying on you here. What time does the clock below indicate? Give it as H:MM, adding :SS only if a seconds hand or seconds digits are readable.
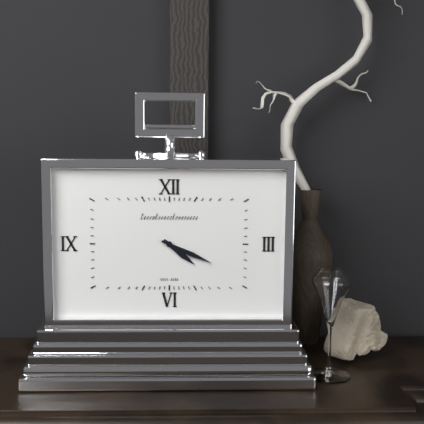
4:19
